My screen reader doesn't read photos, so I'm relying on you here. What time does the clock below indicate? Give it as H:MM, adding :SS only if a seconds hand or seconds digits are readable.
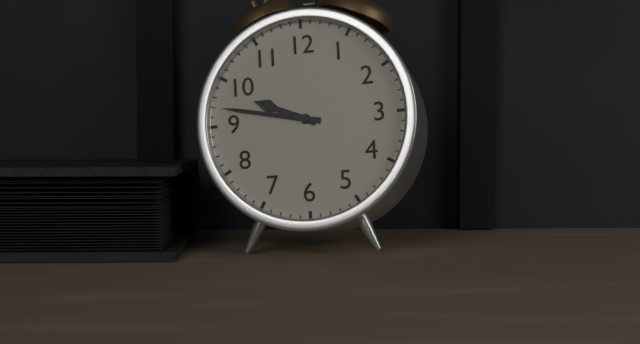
9:47
